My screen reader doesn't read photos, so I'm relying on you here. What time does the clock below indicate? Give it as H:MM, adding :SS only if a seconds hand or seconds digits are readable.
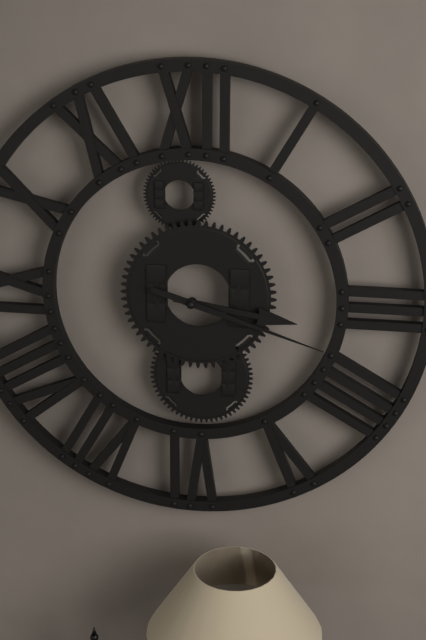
3:18
